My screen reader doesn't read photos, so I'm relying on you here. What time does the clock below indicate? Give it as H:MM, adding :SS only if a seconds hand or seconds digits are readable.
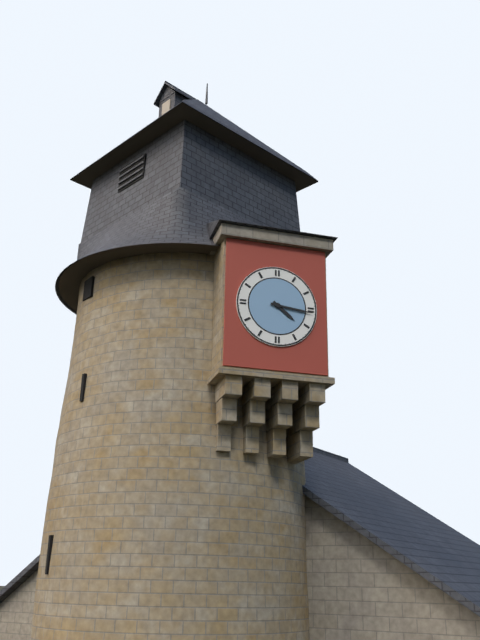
4:16
